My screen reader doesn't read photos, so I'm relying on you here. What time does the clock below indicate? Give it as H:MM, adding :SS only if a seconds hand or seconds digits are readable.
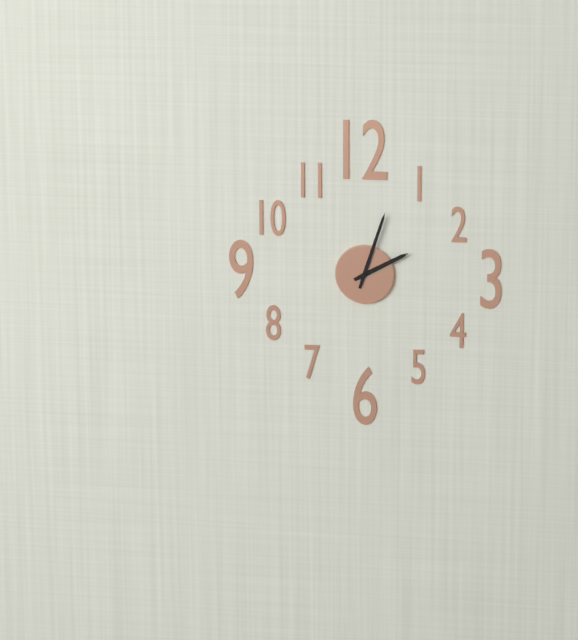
2:03
